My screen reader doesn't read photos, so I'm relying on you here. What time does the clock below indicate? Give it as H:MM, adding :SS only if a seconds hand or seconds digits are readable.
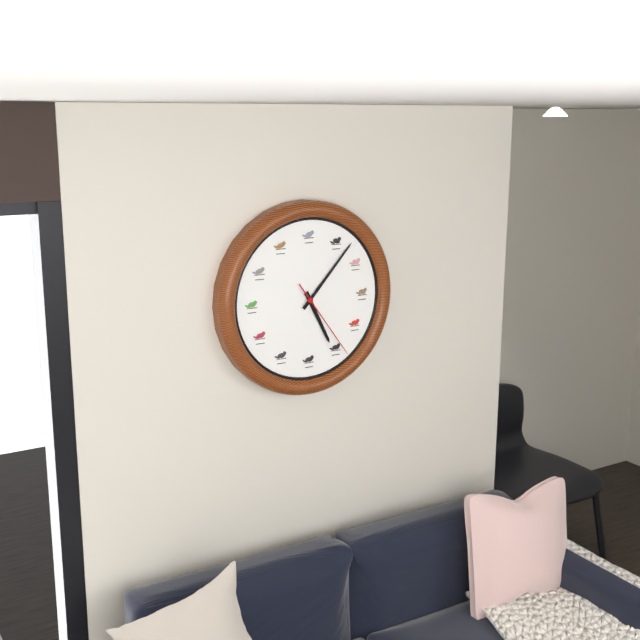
5:07:24
